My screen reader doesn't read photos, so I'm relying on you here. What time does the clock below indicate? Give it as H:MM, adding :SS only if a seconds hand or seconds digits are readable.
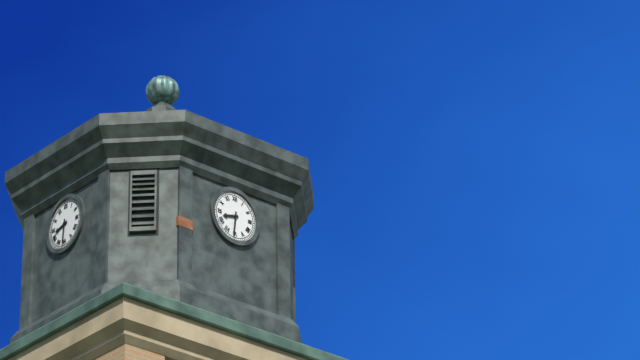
8:31
